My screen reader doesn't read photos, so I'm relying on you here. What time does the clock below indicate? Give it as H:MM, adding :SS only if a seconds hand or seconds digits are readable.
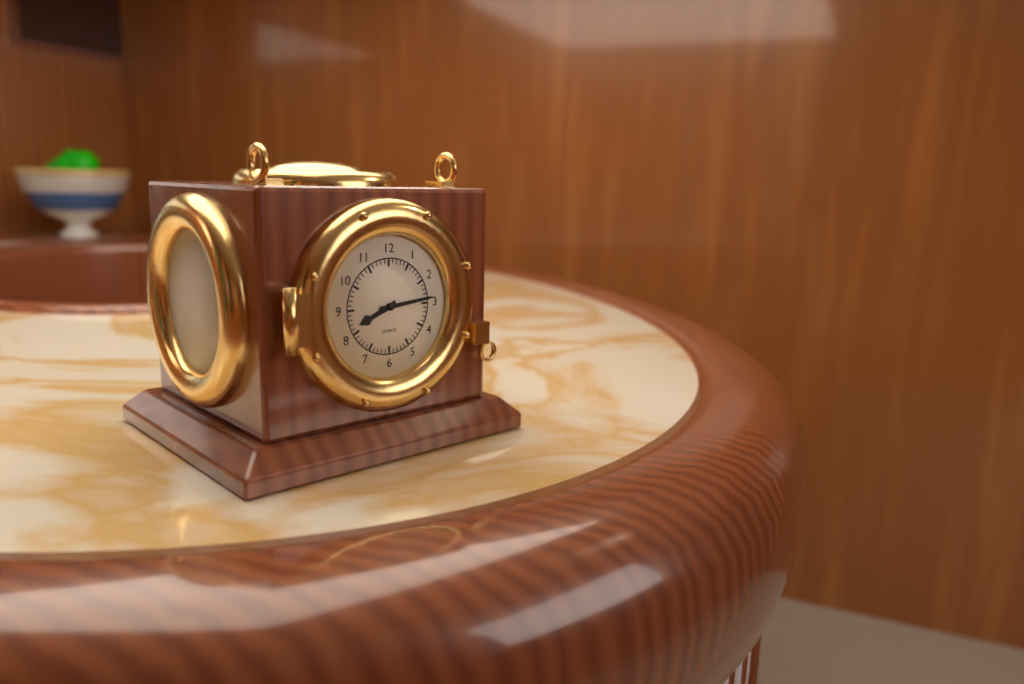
8:14
